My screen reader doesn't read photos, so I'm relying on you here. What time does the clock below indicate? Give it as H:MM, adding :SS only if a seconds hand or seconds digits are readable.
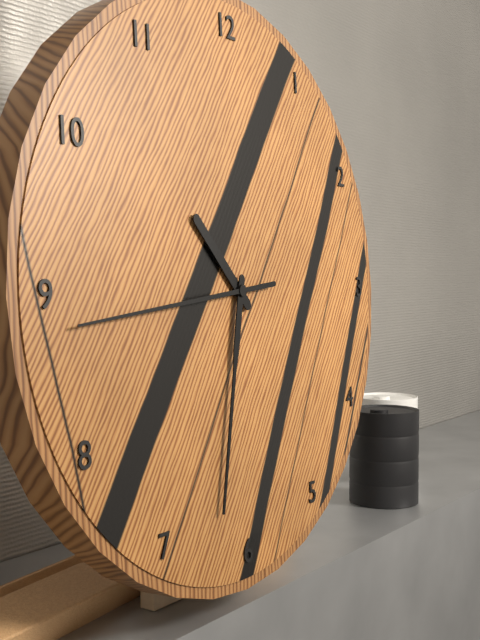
10:32:44
